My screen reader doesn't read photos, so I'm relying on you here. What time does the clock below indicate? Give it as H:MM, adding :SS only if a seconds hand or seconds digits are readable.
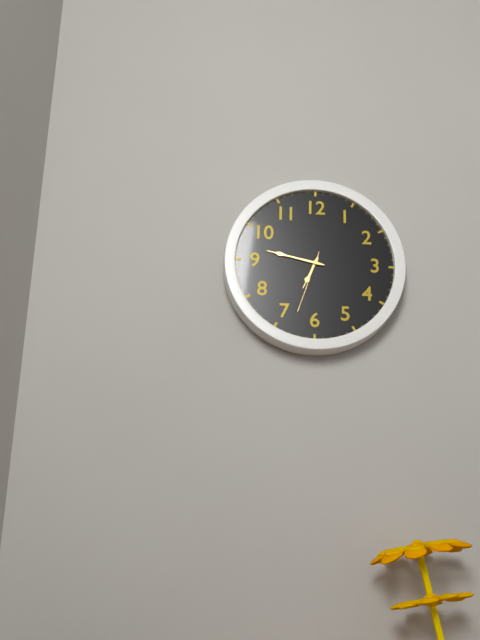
6:47:33
